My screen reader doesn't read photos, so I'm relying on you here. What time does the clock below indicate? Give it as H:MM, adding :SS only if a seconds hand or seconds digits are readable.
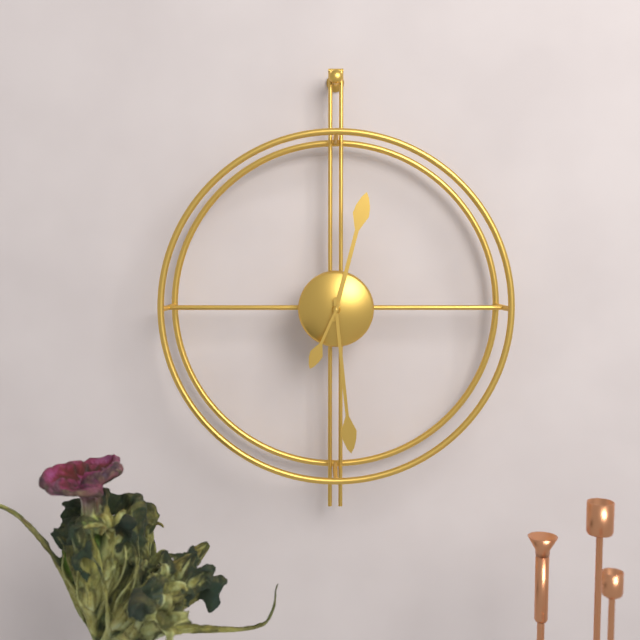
12:29:34
